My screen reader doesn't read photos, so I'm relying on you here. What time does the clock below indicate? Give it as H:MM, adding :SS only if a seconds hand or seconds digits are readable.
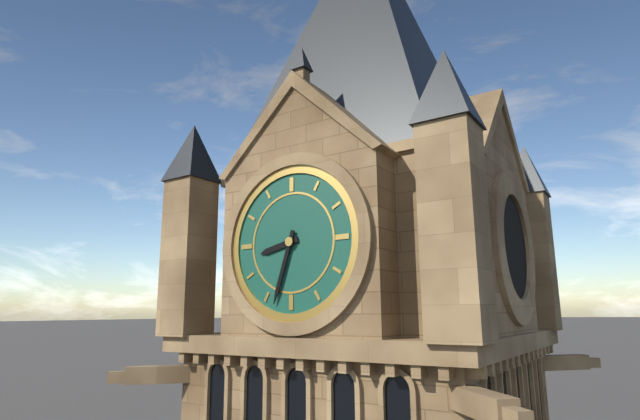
8:33
